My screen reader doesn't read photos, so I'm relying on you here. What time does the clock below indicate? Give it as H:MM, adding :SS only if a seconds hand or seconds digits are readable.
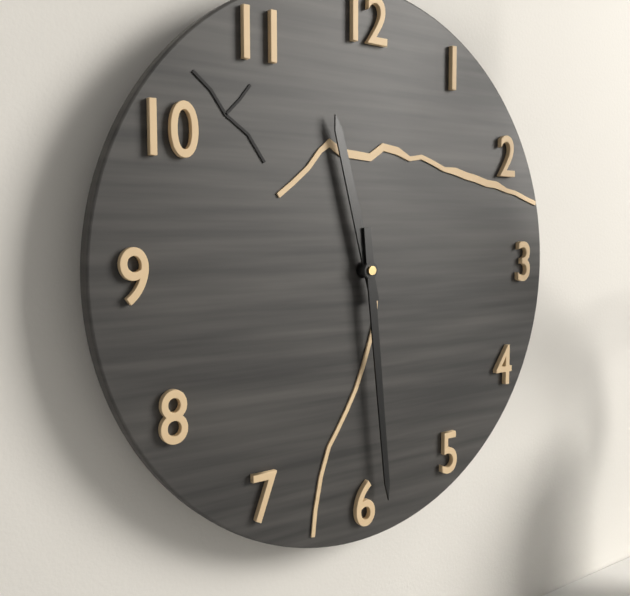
11:29
